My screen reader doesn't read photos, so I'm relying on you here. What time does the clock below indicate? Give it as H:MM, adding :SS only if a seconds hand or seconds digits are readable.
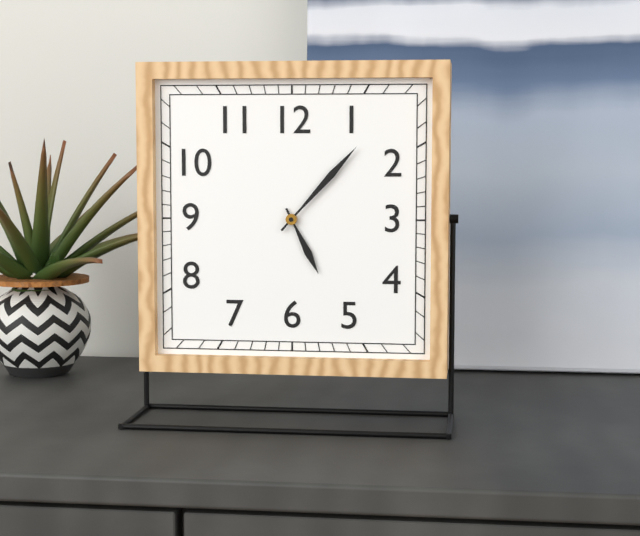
5:07
